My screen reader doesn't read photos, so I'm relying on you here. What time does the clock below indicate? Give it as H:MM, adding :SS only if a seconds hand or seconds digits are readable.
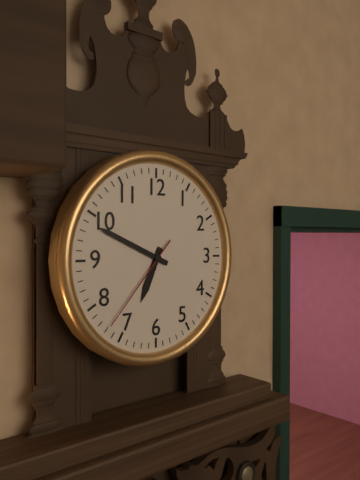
6:49:37
